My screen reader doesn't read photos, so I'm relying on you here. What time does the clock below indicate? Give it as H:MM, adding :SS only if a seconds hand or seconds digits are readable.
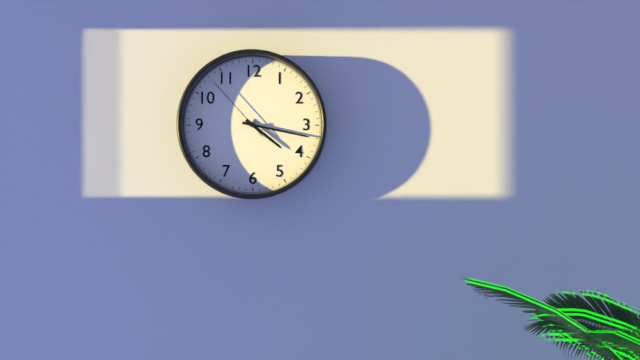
4:17:53
